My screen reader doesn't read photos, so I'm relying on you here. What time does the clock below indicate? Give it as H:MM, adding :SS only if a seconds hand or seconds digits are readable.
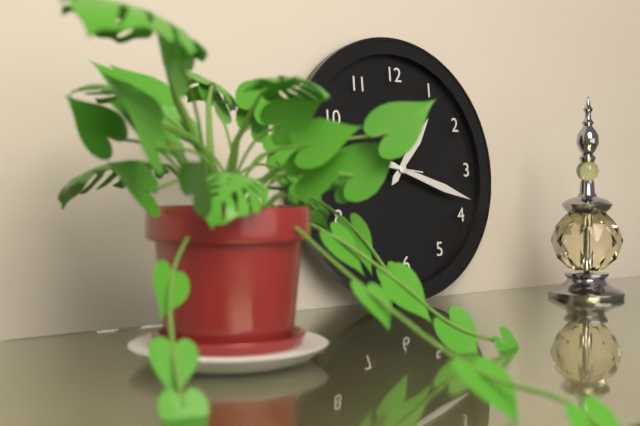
1:18
